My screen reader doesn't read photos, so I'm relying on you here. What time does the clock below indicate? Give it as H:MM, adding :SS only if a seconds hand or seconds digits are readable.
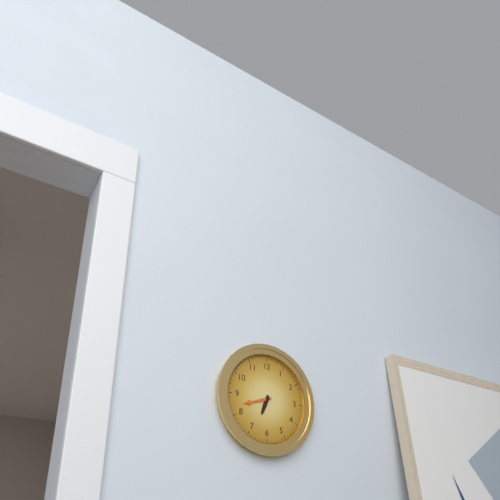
6:42
